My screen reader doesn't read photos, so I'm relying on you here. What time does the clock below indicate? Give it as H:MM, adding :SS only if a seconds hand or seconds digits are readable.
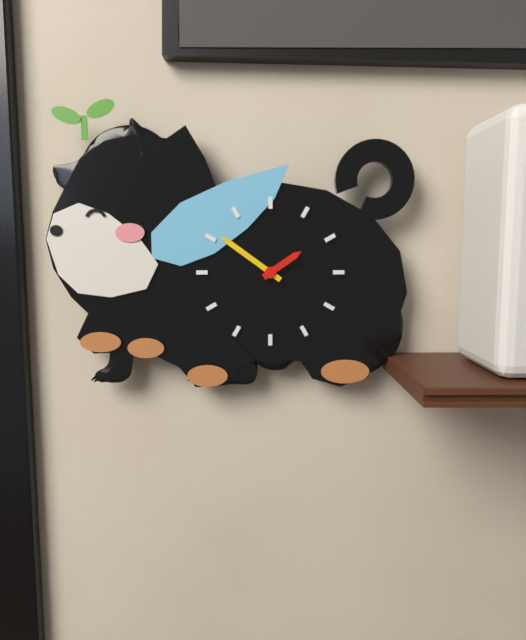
1:51
